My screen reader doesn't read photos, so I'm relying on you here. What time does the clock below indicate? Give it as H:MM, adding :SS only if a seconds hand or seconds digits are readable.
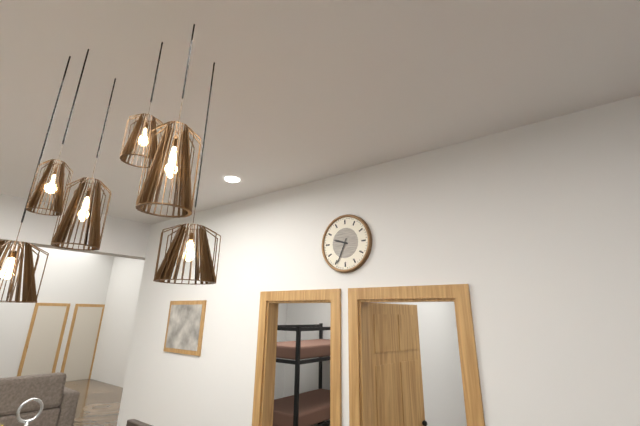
9:34
